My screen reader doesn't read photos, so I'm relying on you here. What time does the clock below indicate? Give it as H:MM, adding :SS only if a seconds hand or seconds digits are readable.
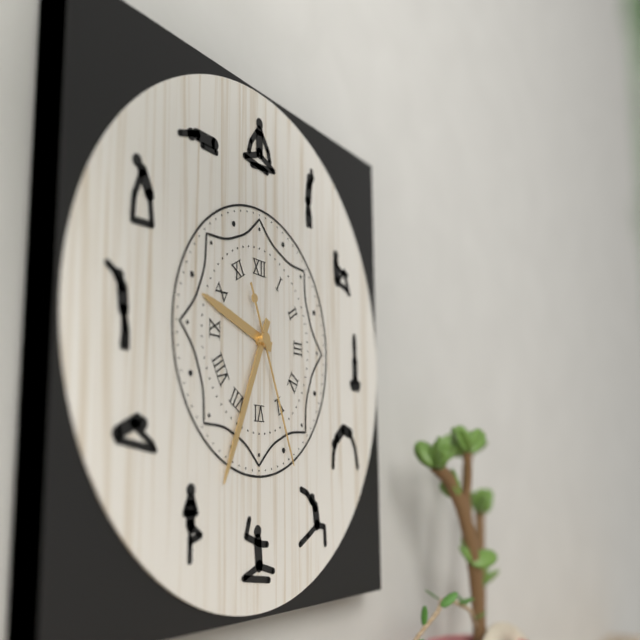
9:34:26
